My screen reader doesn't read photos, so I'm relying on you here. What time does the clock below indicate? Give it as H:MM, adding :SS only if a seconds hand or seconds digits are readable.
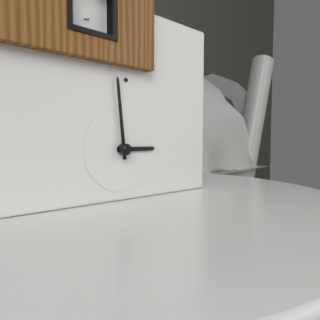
2:59
